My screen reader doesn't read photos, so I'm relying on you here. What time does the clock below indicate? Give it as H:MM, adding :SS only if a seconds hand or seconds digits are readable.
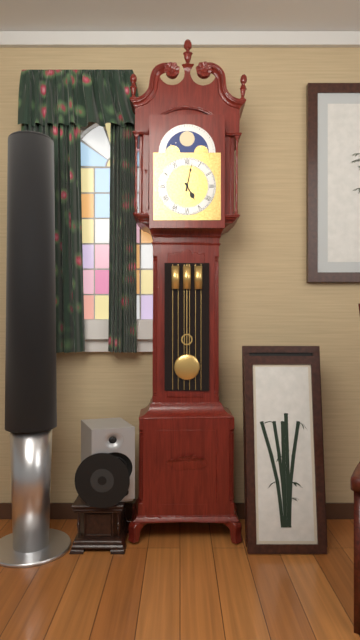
5:02
